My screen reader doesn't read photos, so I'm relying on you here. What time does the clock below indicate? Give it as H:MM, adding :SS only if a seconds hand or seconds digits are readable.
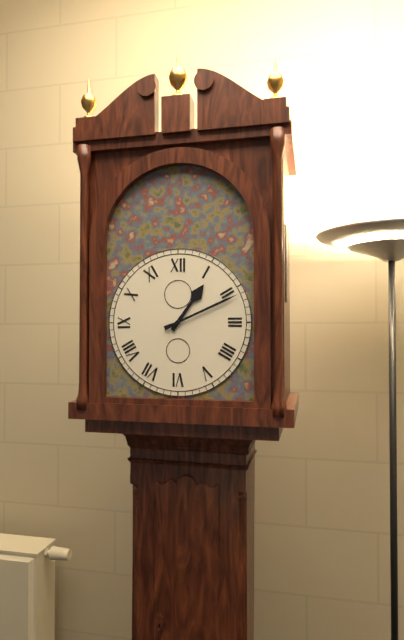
1:11
